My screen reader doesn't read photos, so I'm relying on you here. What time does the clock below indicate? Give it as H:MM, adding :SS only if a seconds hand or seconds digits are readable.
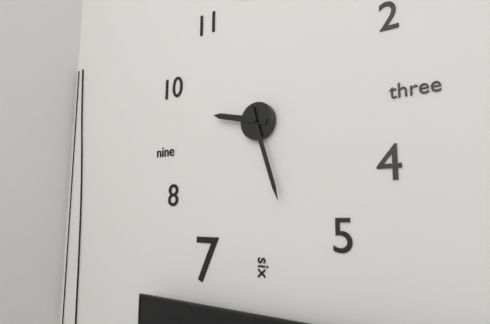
9:27
